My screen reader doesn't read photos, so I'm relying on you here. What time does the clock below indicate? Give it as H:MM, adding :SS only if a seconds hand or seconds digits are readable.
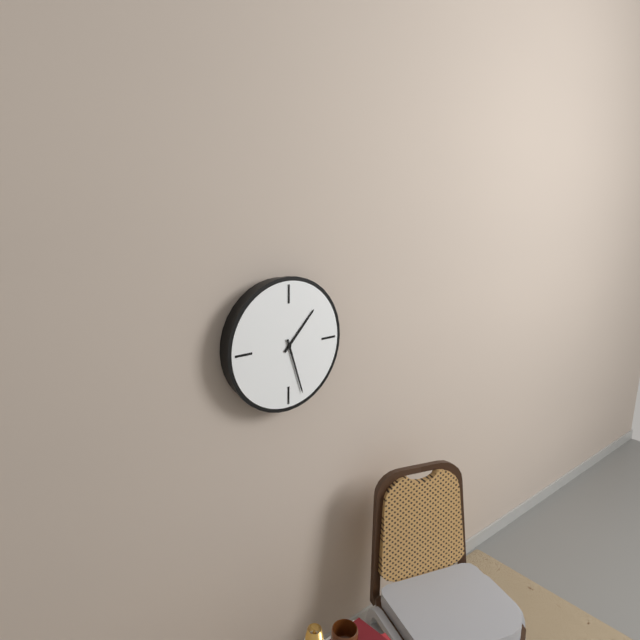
1:27
